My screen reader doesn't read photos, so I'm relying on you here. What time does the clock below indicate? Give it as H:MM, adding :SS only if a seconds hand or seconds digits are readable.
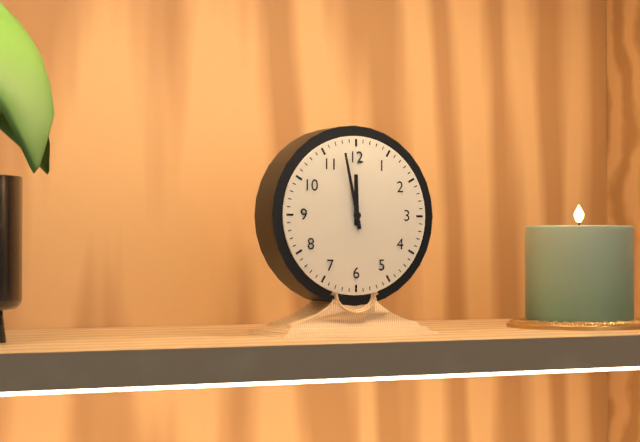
11:58
